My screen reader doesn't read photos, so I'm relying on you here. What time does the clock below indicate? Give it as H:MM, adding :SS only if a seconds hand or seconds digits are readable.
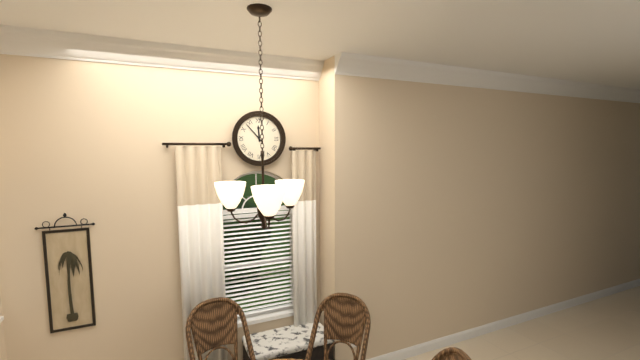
11:53
